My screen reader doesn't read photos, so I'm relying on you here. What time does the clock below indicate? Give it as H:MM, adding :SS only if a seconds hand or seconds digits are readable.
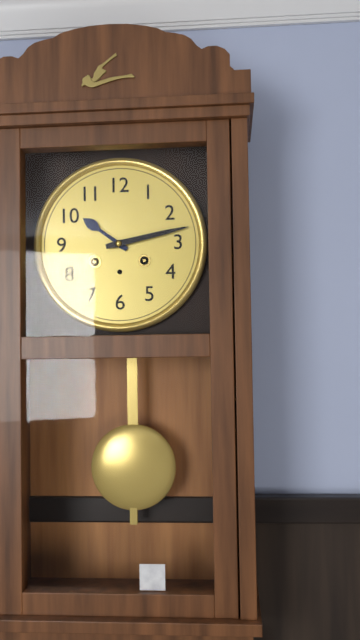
10:13
